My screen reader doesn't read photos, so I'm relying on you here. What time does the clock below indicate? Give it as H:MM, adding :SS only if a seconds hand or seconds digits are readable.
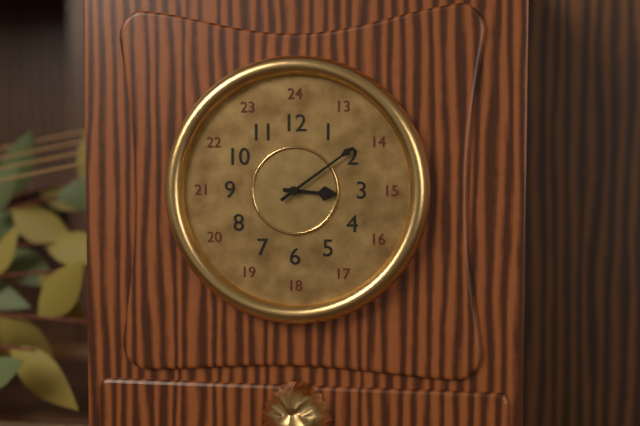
3:09
